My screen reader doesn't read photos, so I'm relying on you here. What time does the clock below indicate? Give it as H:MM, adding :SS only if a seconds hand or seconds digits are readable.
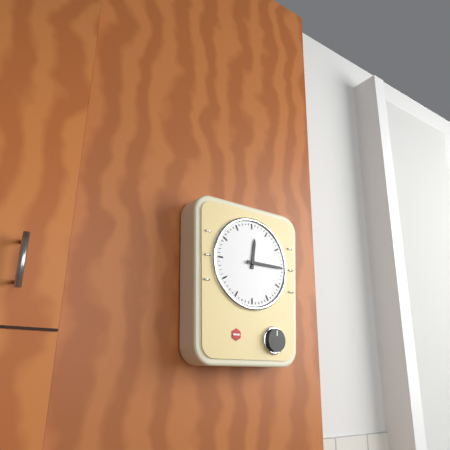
12:15
